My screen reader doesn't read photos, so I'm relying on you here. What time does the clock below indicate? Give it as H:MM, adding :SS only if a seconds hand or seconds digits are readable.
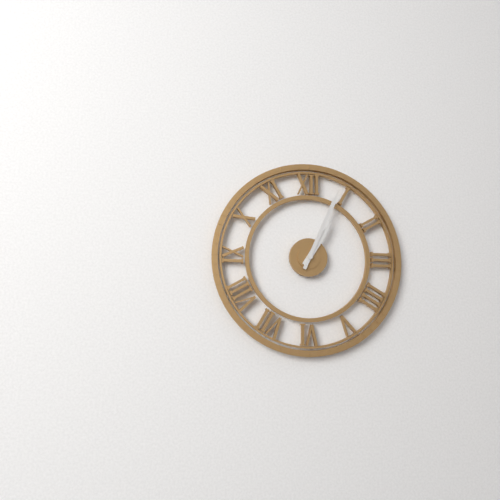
1:04
